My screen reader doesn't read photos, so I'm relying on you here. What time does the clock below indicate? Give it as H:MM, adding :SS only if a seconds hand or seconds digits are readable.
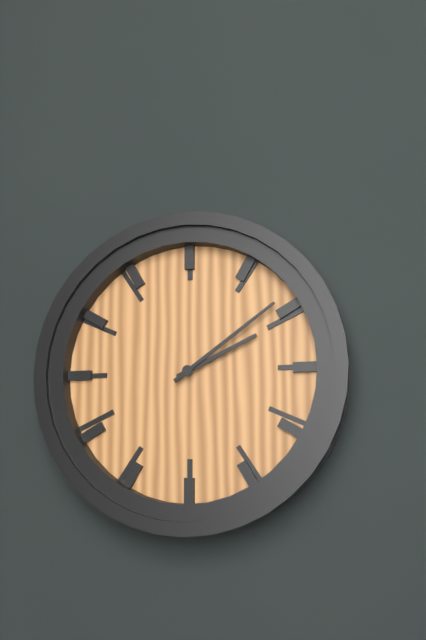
2:09
